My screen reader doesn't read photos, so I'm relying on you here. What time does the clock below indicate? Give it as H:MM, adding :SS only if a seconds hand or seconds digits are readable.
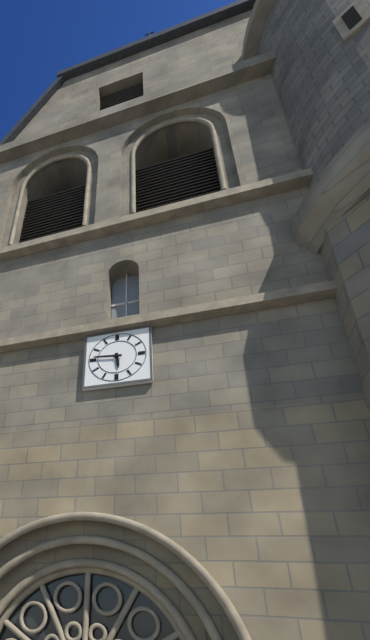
5:46
